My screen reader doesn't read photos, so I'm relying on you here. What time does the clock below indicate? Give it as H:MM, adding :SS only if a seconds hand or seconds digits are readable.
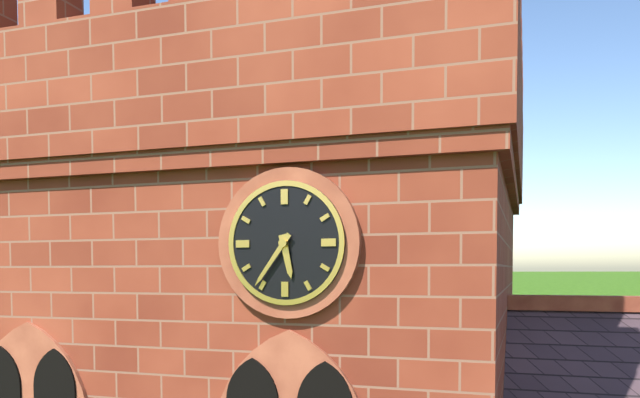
5:36
